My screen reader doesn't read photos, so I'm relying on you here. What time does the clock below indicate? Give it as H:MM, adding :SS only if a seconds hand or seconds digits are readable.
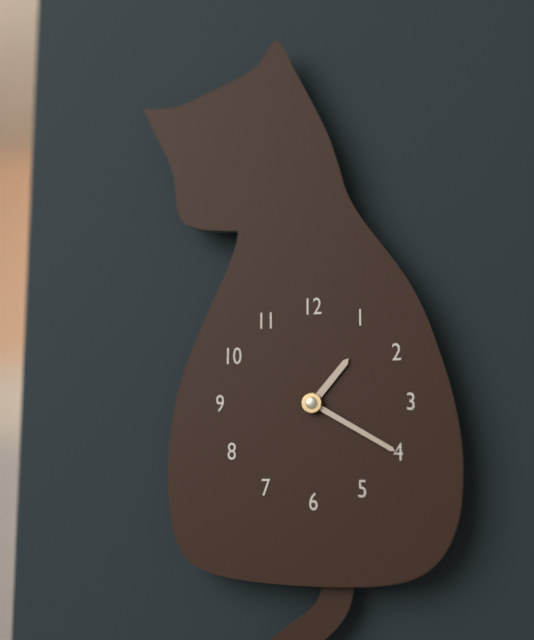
1:20
